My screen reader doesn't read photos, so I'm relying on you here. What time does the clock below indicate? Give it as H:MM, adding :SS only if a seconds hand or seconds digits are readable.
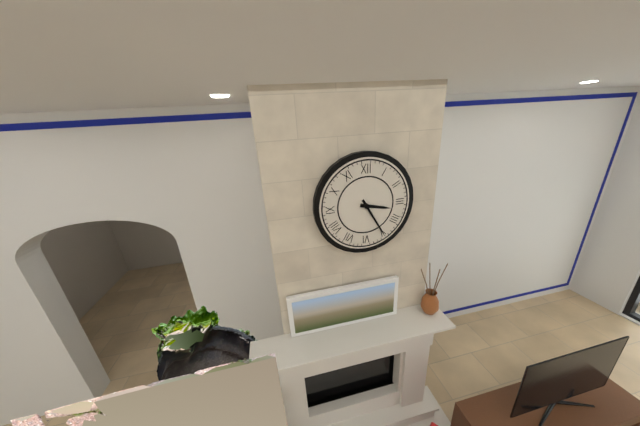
3:25
